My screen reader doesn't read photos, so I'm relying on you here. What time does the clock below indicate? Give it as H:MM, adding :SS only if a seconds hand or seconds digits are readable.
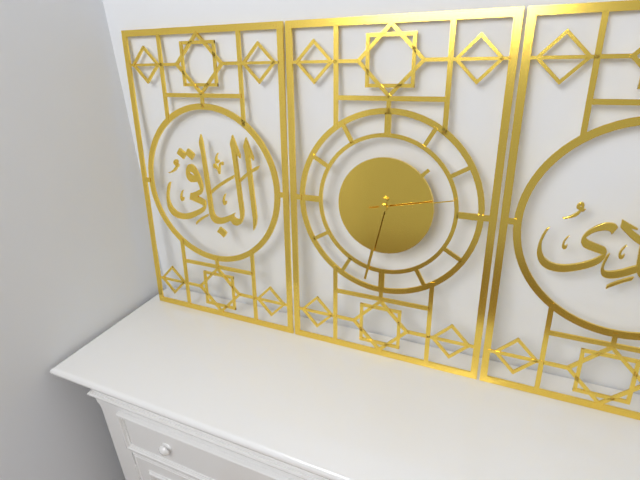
1:32:13
